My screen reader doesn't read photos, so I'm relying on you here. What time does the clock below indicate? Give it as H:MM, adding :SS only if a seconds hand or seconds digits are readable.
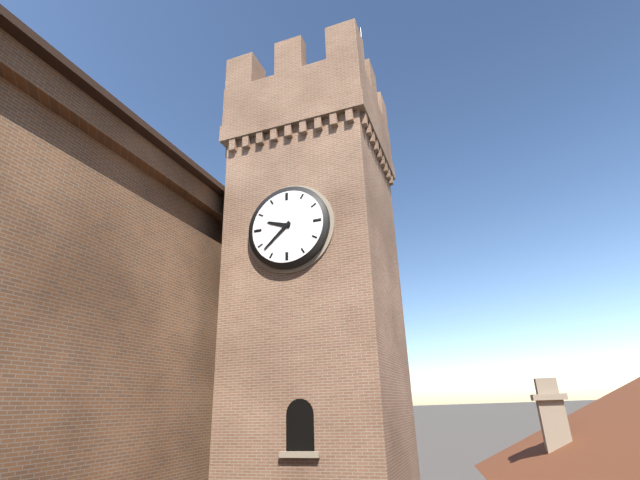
9:38
